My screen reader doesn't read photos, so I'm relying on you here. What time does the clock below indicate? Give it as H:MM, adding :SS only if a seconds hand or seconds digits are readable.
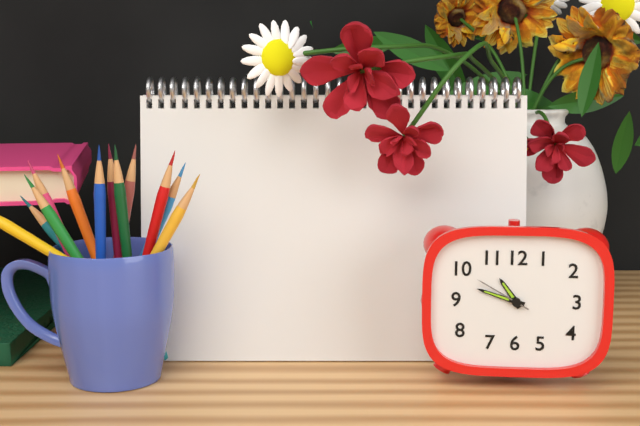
10:48:50
